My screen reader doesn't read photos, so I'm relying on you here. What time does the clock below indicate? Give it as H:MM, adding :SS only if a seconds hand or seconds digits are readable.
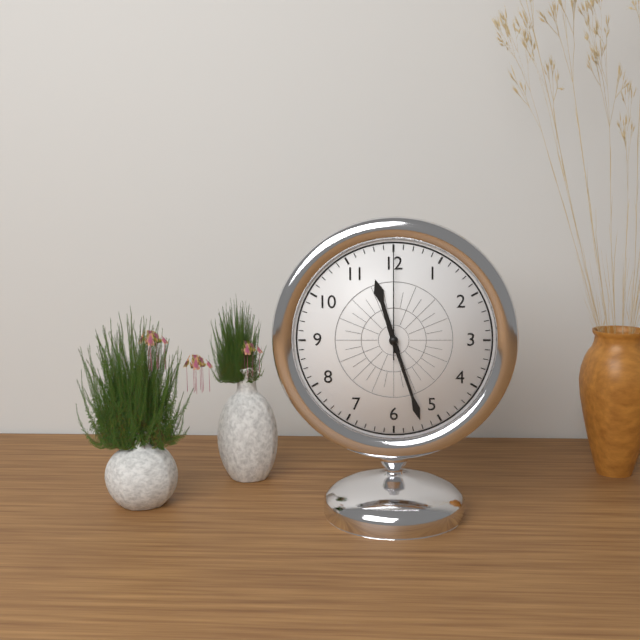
11:27:00
